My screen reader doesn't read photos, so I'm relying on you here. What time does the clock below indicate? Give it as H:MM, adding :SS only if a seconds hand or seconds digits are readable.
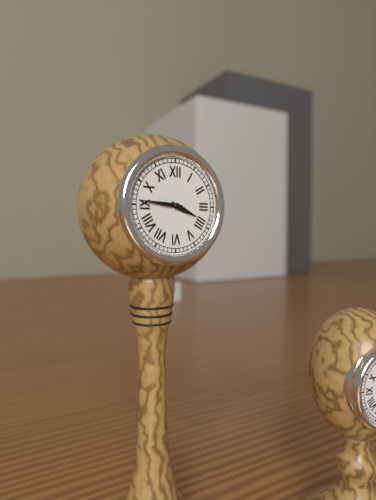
3:46
